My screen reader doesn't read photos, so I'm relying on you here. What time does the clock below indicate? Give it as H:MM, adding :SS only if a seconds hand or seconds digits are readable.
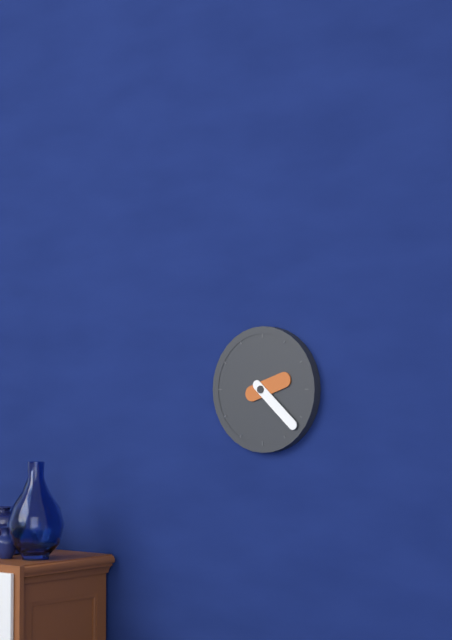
2:22
